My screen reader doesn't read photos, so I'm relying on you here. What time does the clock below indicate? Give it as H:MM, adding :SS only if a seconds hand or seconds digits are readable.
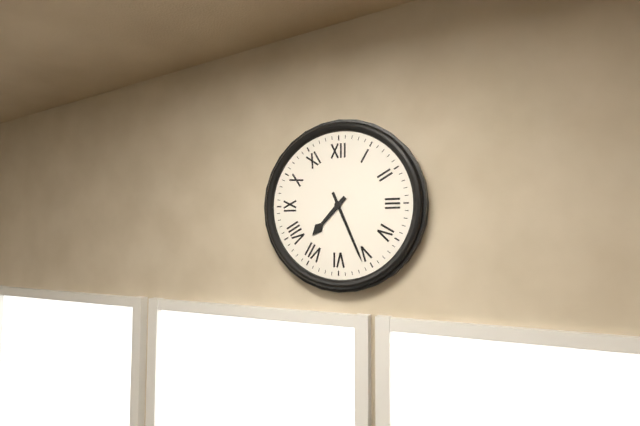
7:26
